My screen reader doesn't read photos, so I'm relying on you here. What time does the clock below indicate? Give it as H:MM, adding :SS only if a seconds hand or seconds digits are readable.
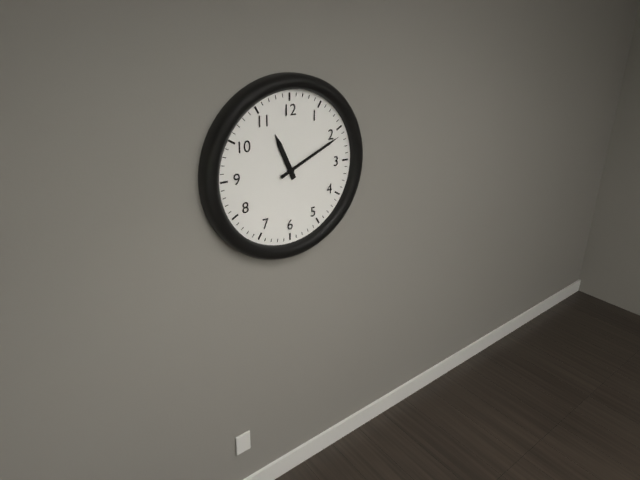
11:11
